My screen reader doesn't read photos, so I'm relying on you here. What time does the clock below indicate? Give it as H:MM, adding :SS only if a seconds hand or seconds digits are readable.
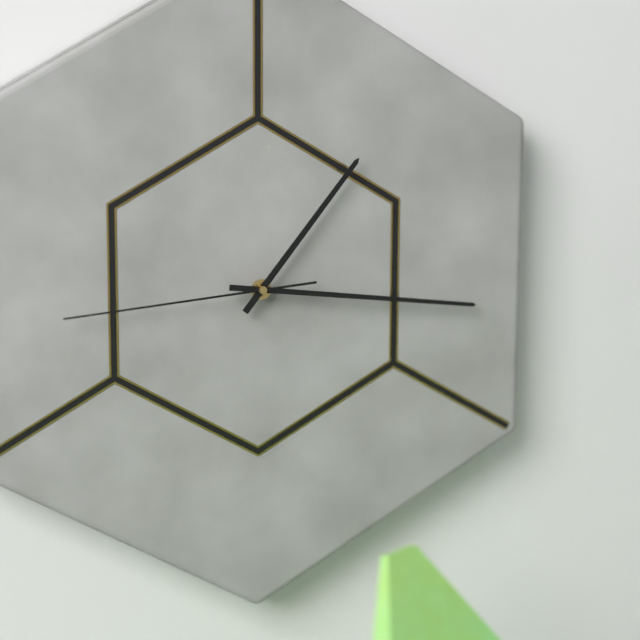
1:16:44
